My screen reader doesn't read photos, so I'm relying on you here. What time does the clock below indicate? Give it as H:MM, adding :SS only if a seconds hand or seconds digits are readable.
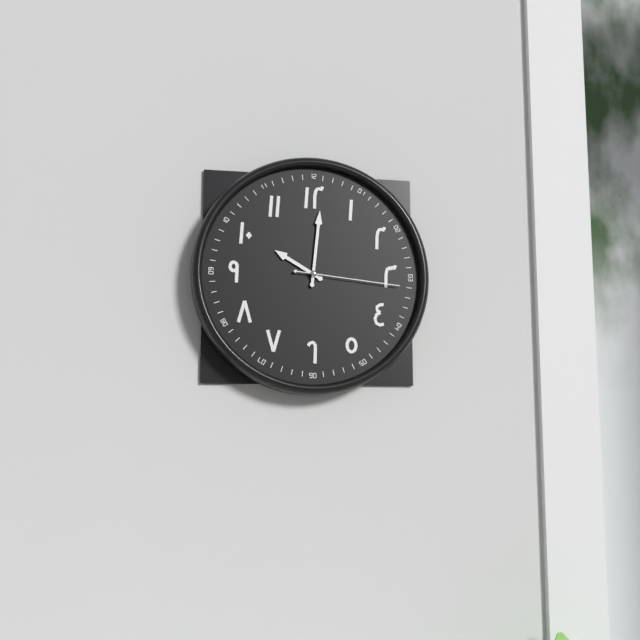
10:01:16
